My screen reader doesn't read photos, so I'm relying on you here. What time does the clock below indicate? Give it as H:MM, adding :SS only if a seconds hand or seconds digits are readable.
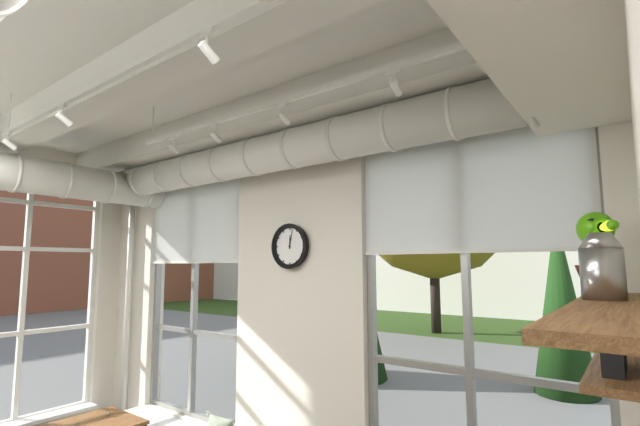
12:02
